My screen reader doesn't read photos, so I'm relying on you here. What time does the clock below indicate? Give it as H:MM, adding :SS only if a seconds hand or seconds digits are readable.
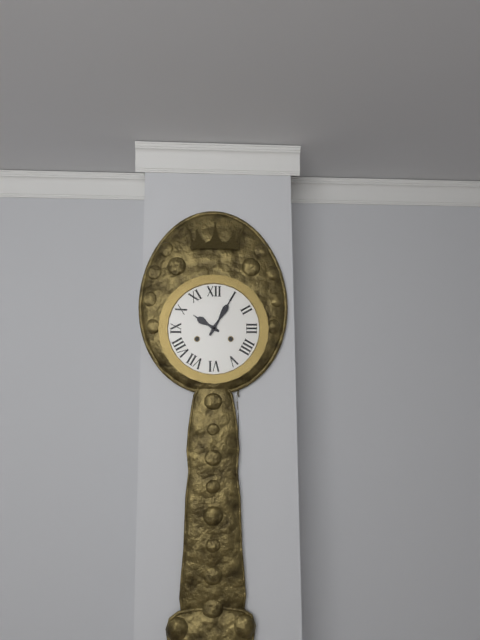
10:05
